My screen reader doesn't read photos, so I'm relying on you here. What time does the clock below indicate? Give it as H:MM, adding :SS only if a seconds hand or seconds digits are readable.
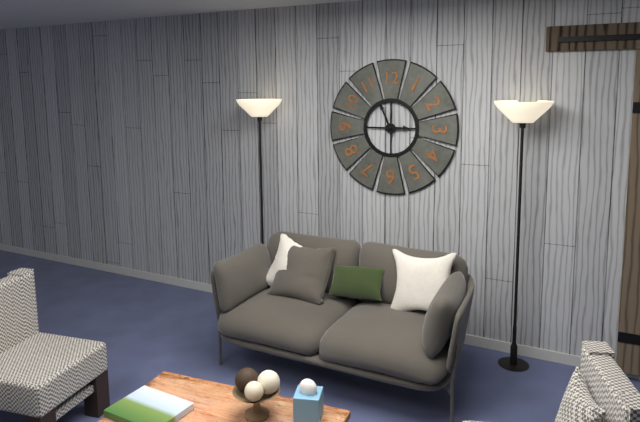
2:56
